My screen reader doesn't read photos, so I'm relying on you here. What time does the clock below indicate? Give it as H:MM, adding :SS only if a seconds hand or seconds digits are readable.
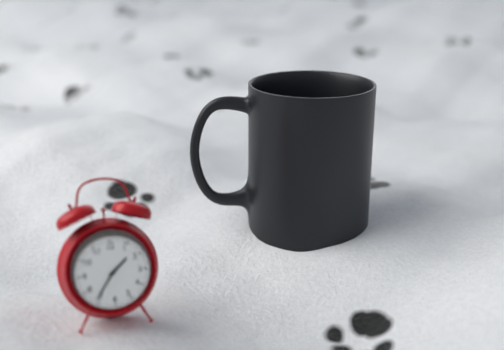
1:36
